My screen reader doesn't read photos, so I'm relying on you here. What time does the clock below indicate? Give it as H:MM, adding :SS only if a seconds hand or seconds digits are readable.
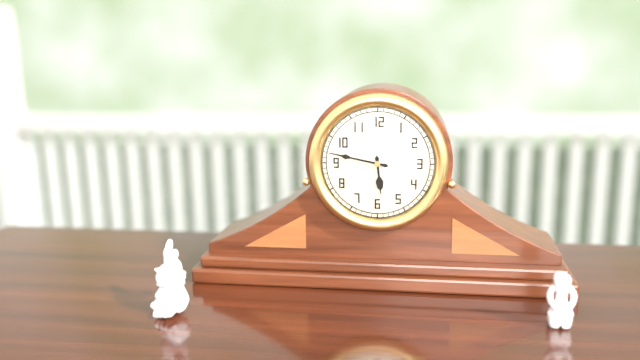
5:47
